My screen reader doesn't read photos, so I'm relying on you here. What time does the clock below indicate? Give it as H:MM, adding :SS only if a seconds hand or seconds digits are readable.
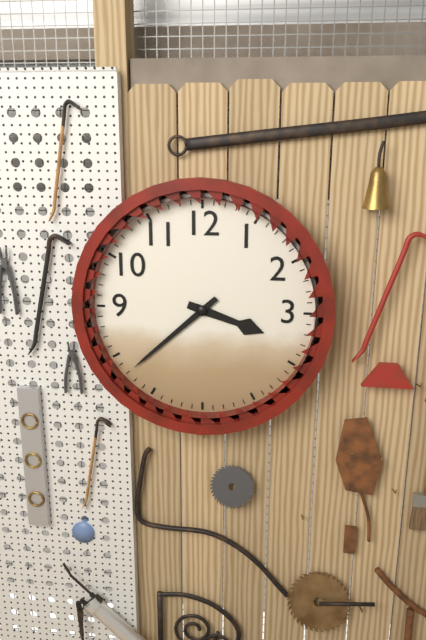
3:38
